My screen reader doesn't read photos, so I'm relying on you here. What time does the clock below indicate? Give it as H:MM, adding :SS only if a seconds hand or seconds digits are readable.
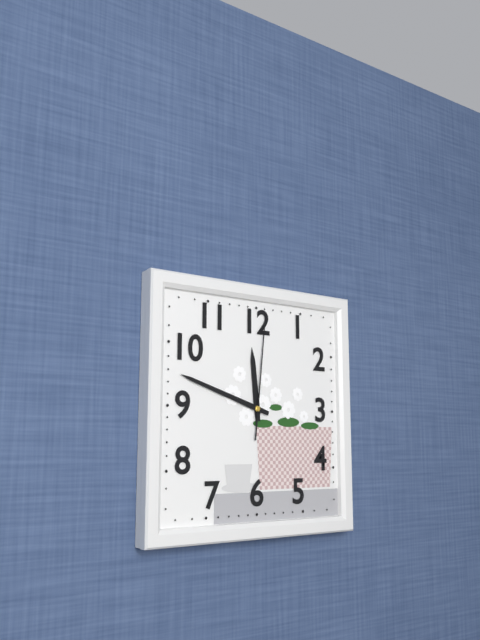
11:48:01
